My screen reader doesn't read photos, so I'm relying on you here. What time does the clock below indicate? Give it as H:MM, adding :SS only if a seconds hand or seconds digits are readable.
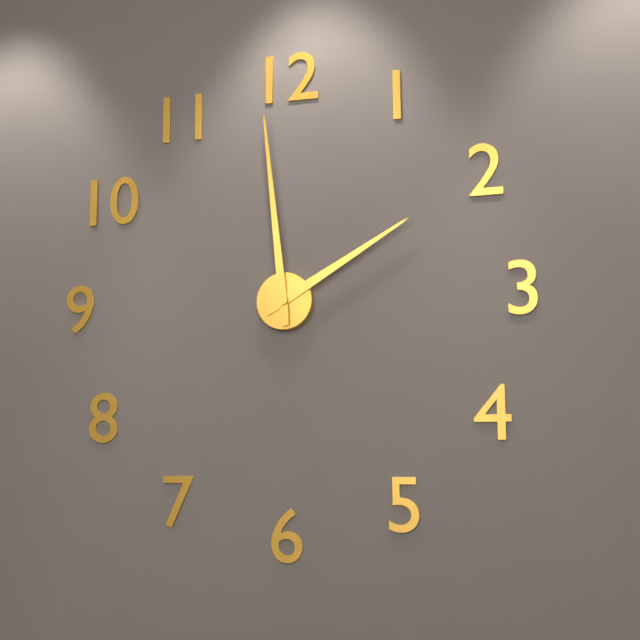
1:59
